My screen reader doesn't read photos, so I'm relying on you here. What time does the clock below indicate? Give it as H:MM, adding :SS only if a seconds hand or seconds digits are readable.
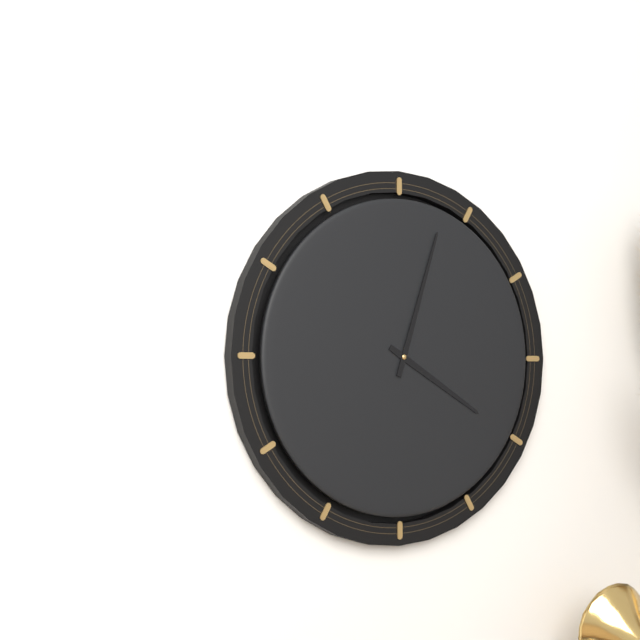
4:03
